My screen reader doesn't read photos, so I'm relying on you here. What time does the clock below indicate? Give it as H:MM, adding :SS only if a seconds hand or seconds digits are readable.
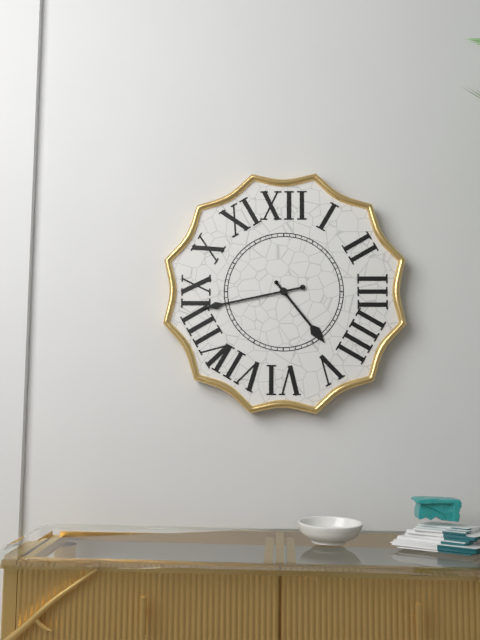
4:43
